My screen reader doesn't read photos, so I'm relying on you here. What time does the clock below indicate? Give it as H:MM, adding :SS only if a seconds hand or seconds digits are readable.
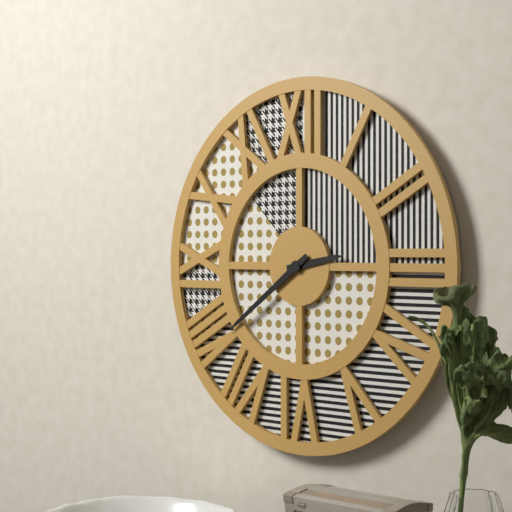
2:39
